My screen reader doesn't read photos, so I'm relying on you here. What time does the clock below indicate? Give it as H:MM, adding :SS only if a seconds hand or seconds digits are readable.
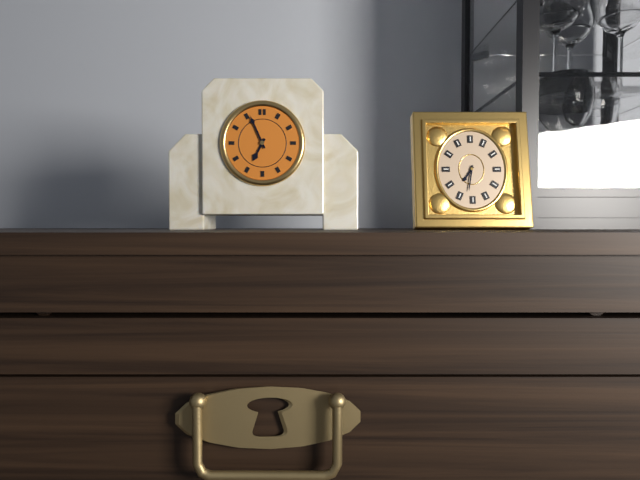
6:56
